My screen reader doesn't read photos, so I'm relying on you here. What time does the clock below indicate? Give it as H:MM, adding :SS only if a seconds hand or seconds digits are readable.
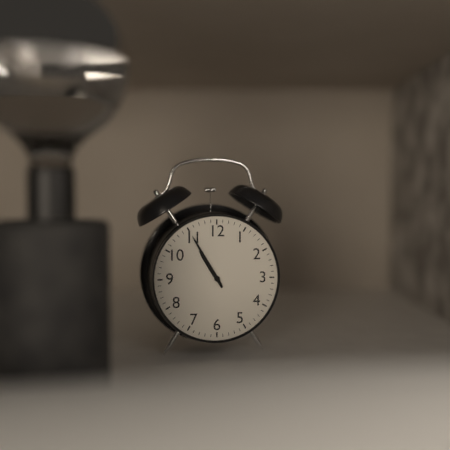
10:55
